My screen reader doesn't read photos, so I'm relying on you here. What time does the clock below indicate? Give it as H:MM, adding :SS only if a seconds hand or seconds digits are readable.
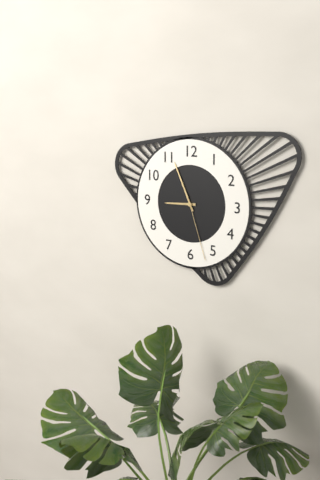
8:56:27
